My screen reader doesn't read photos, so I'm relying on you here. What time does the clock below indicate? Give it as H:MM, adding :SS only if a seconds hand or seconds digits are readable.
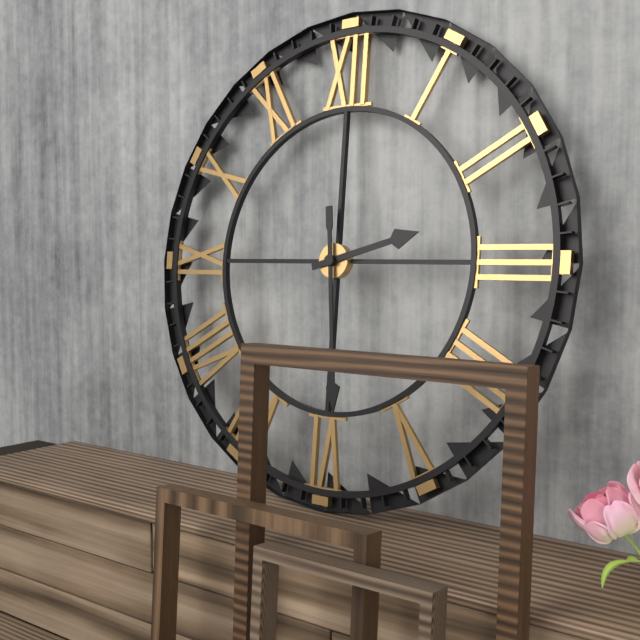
2:29
